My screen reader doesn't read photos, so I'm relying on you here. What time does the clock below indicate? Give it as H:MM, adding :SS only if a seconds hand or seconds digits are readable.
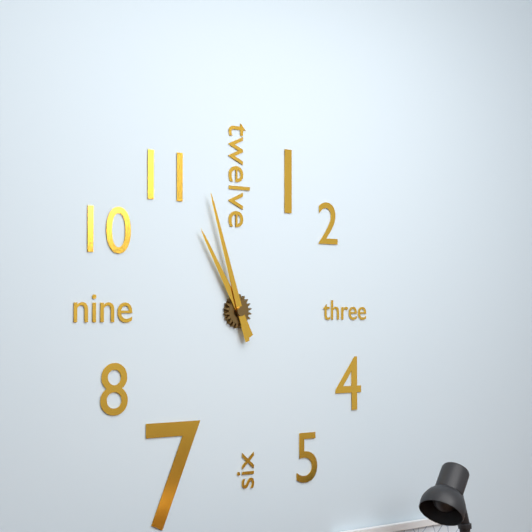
10:57
